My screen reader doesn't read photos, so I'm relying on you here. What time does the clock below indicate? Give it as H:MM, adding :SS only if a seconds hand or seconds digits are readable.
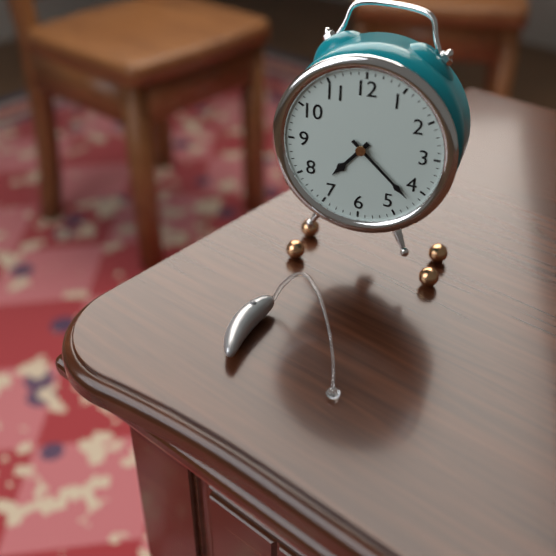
7:22
